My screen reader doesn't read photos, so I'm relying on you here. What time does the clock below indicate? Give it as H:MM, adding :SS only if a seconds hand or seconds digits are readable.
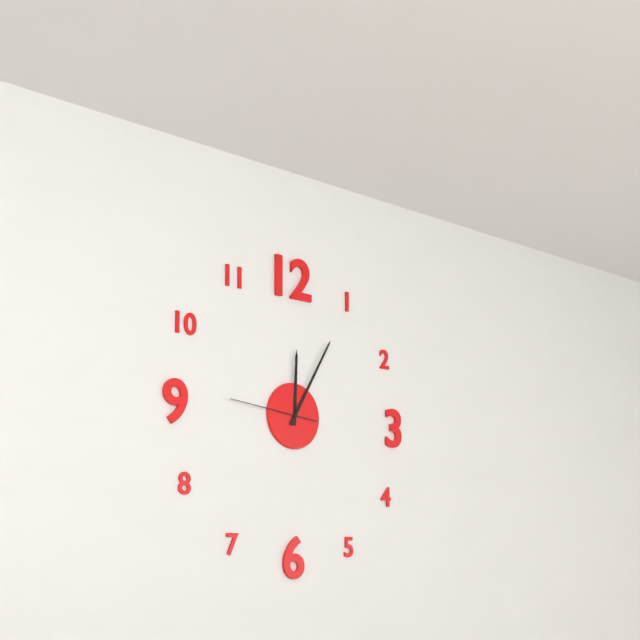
12:05:46
